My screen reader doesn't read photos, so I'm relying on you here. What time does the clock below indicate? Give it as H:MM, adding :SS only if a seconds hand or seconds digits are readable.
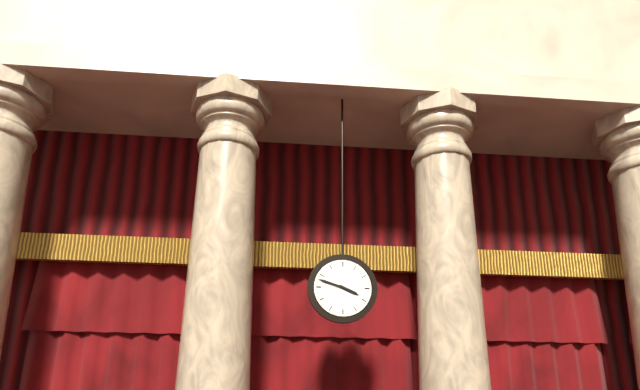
3:48
